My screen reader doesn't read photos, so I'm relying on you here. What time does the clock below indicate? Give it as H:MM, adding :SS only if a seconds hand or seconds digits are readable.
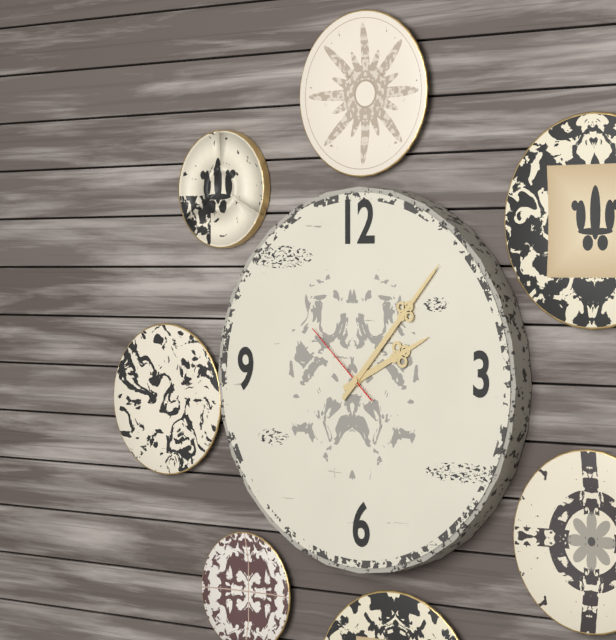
2:07:52
